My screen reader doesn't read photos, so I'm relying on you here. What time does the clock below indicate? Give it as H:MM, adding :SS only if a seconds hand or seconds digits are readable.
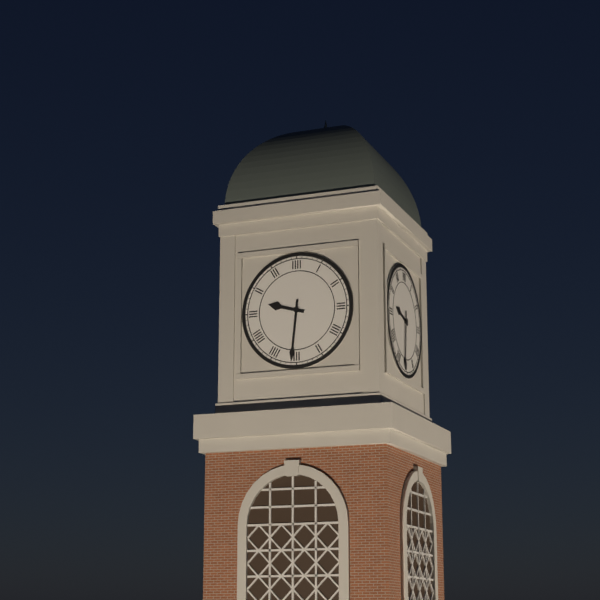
9:31
